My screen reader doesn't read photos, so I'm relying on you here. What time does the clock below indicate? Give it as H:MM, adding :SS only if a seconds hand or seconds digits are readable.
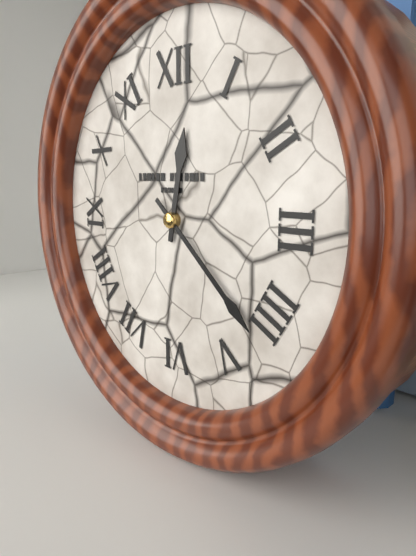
12:22
